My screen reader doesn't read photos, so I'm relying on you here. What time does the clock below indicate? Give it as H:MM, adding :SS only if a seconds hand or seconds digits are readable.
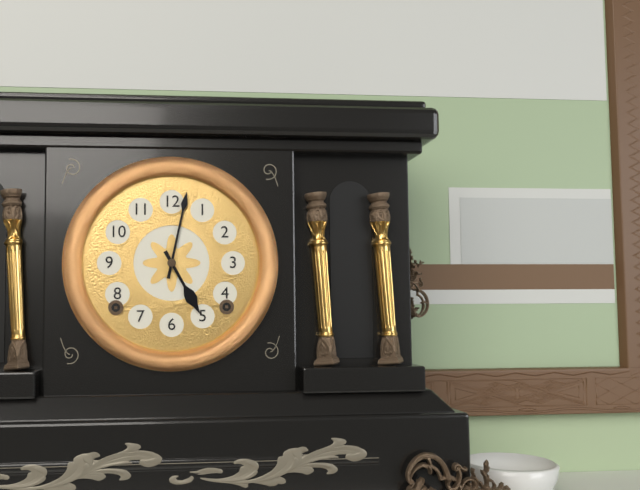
5:02
